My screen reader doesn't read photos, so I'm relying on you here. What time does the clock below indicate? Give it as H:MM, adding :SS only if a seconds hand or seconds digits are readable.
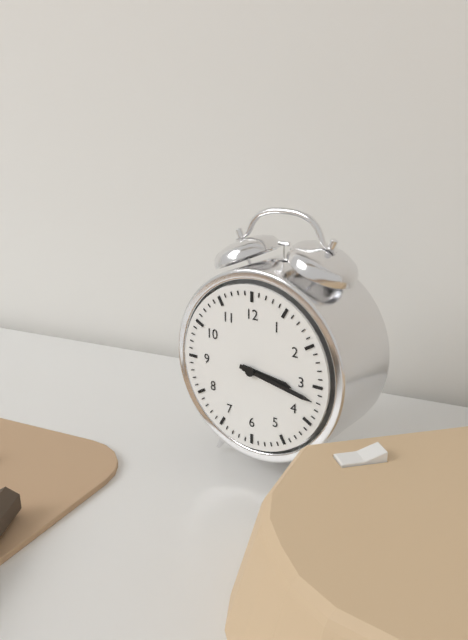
3:17
